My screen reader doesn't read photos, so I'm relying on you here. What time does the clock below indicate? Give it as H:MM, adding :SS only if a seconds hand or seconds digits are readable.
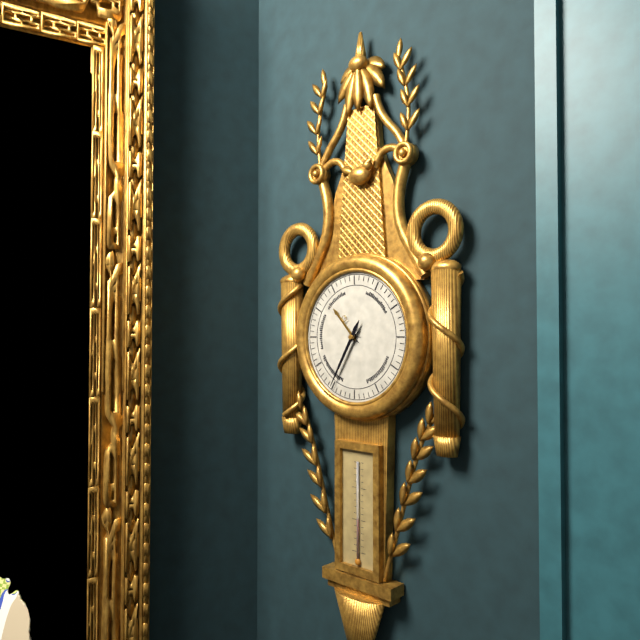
10:35
